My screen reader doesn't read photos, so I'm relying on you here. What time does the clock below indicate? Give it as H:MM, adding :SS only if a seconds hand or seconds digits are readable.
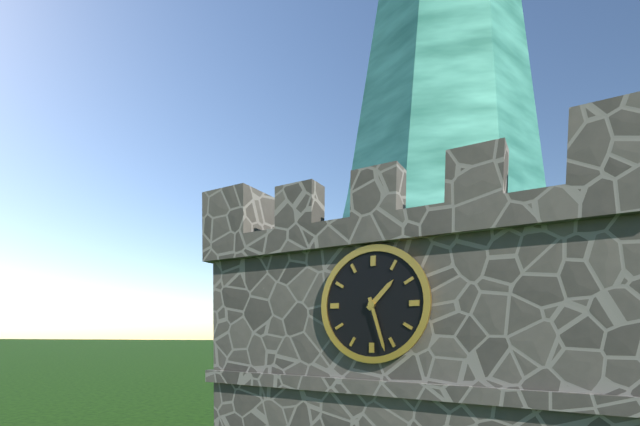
1:27
